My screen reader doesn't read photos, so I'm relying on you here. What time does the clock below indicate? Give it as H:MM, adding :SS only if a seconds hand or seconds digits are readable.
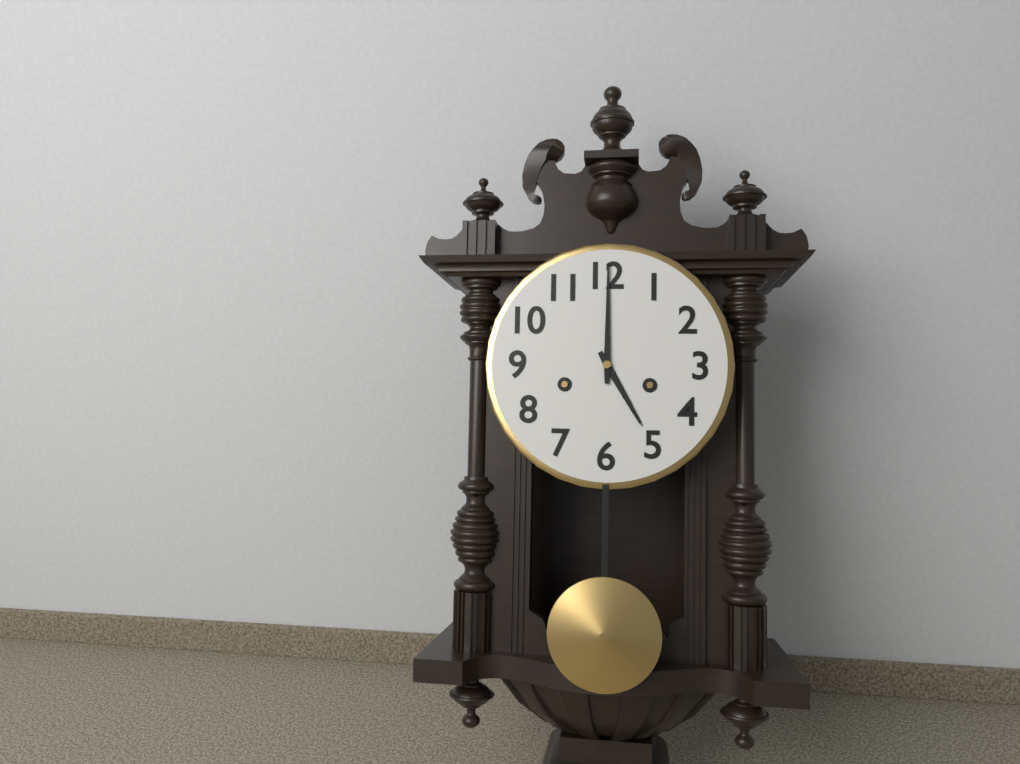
5:00
